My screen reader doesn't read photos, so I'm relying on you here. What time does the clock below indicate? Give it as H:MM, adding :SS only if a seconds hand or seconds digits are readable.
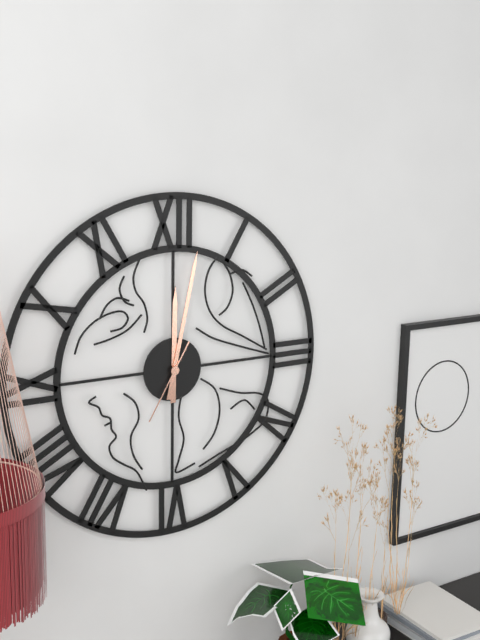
12:02:35
